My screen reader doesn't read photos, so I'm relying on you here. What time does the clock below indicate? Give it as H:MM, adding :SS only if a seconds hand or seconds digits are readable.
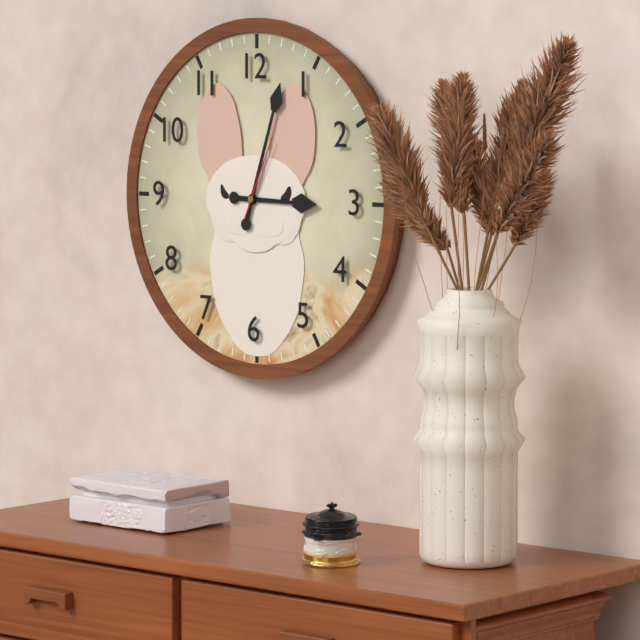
3:03:04
